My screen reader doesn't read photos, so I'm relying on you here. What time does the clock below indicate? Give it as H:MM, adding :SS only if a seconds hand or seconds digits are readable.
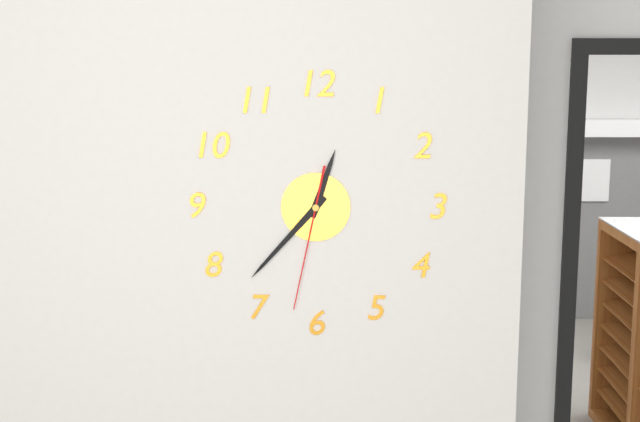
12:37:32
